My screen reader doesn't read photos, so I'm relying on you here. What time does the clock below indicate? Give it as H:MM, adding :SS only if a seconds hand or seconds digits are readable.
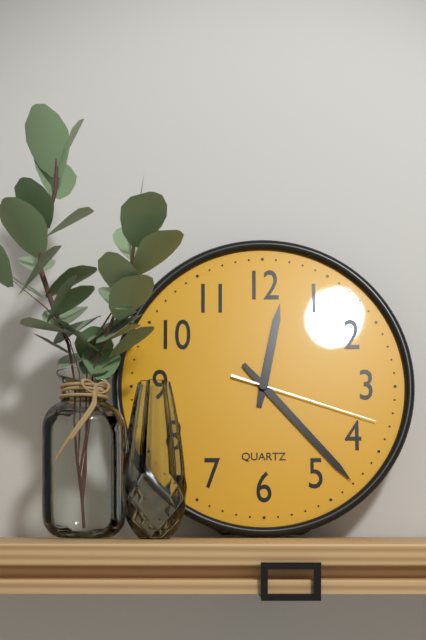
12:23:18
